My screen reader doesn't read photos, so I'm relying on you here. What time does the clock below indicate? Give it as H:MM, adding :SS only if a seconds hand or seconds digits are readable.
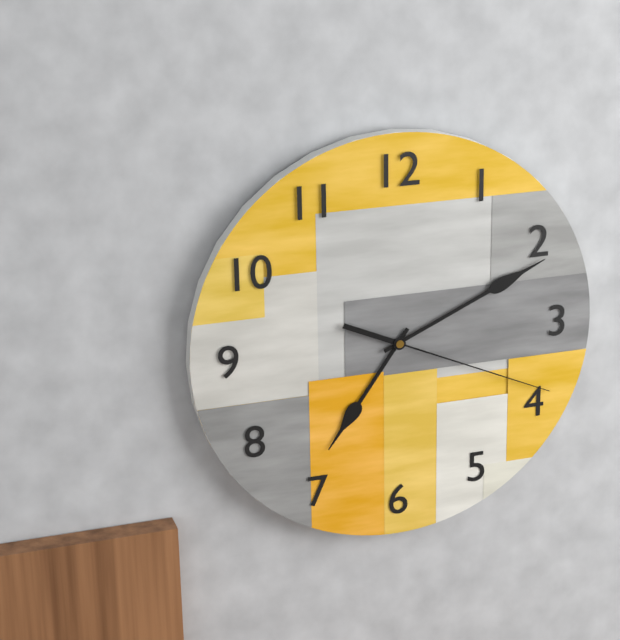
7:11:19
